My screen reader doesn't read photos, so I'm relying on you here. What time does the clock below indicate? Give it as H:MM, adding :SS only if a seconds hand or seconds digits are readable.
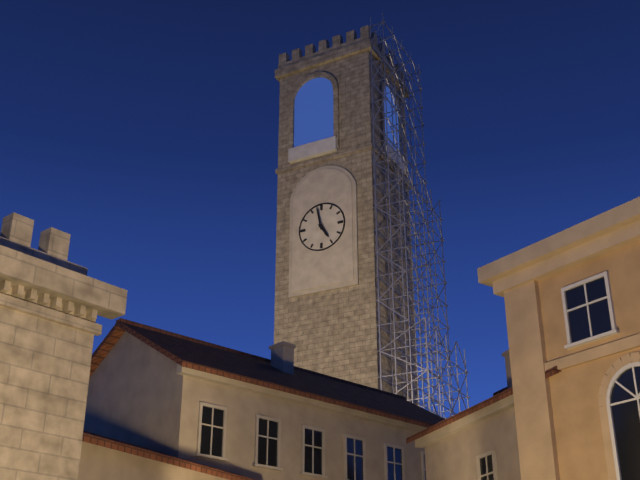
4:58
